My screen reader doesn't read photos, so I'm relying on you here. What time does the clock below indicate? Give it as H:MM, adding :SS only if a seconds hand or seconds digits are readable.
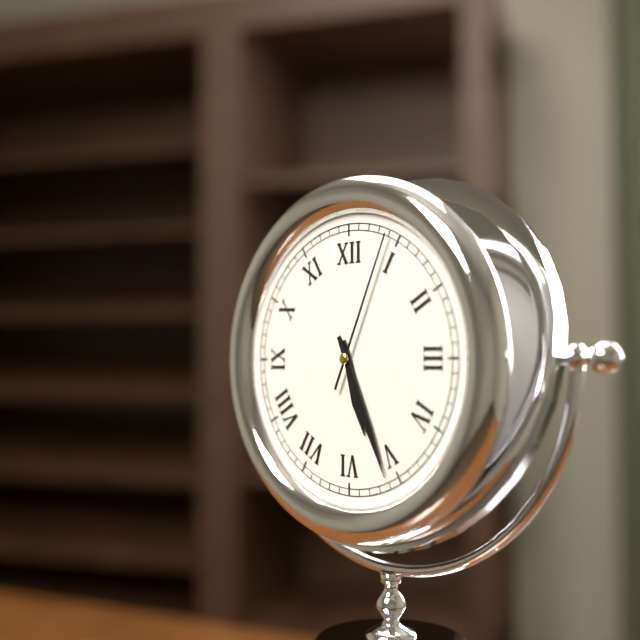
5:26:04
